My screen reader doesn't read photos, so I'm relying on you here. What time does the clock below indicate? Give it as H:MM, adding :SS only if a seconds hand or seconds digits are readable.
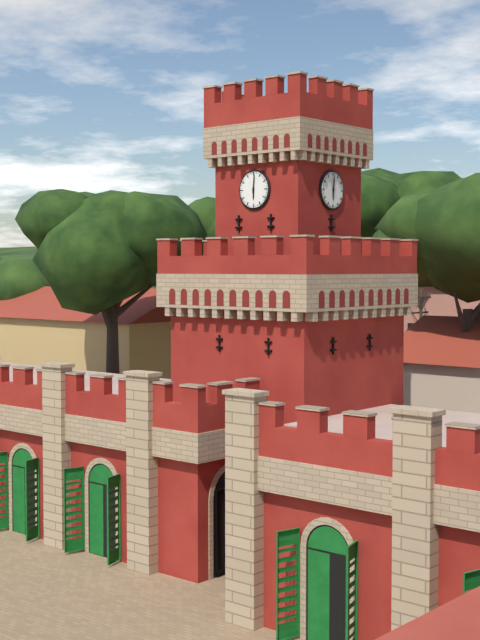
6:01
